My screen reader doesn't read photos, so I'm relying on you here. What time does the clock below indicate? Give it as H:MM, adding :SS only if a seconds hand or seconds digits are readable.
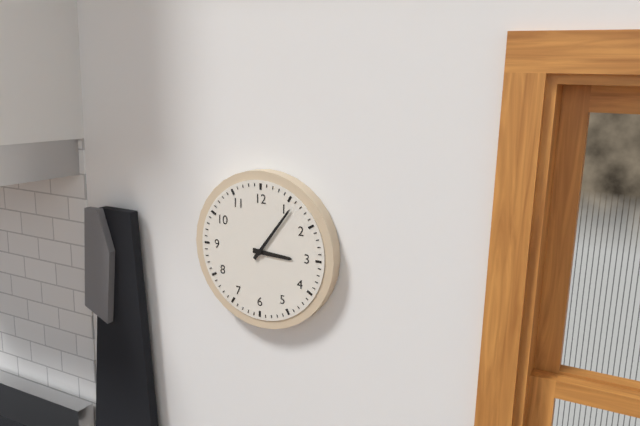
3:06
